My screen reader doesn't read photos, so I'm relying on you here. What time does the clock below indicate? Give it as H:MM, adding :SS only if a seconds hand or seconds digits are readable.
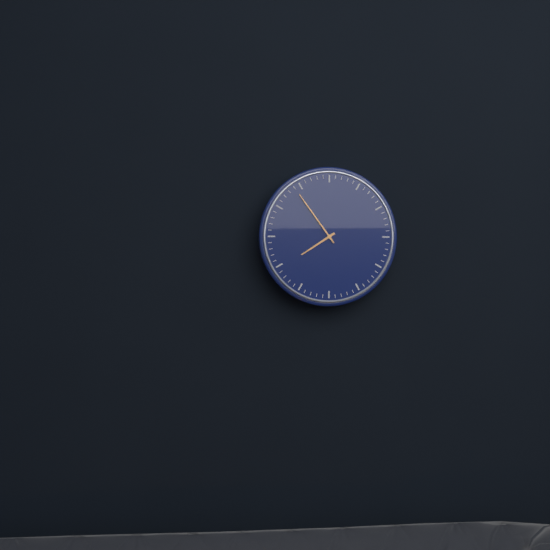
7:54
